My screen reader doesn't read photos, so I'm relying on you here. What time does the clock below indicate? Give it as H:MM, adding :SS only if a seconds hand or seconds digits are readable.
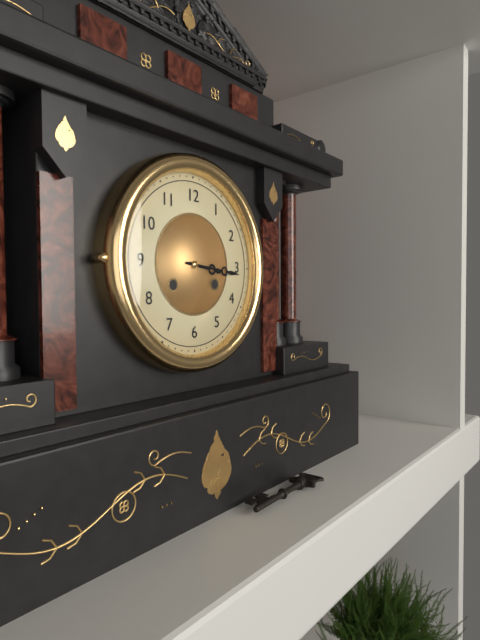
3:16
